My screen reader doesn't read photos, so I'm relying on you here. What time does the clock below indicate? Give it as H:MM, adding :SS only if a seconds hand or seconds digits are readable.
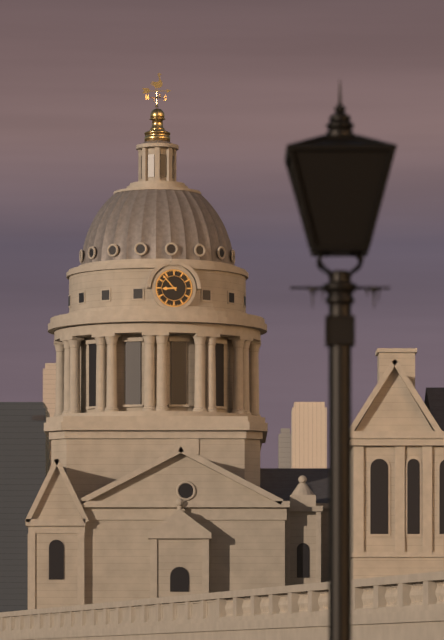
8:53
